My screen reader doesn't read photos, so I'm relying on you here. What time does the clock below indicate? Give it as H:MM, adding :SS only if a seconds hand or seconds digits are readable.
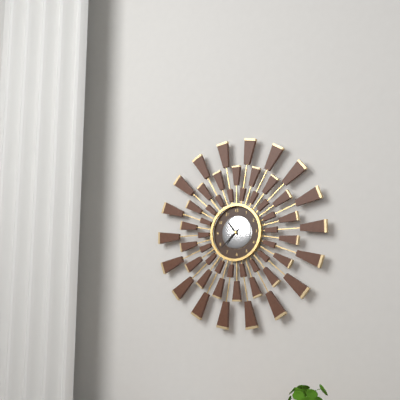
10:38
